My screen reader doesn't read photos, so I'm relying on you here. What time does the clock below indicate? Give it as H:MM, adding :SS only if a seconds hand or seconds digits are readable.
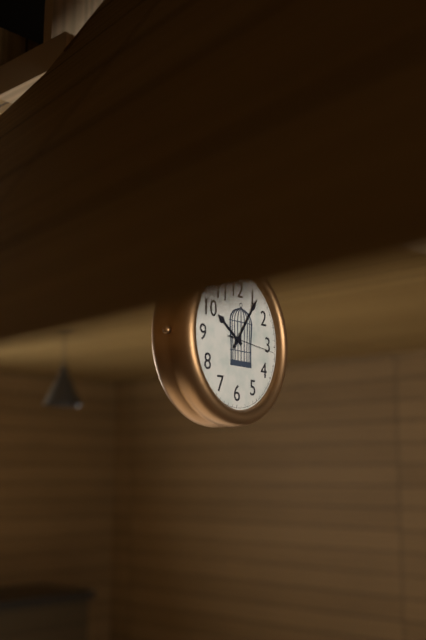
10:06
